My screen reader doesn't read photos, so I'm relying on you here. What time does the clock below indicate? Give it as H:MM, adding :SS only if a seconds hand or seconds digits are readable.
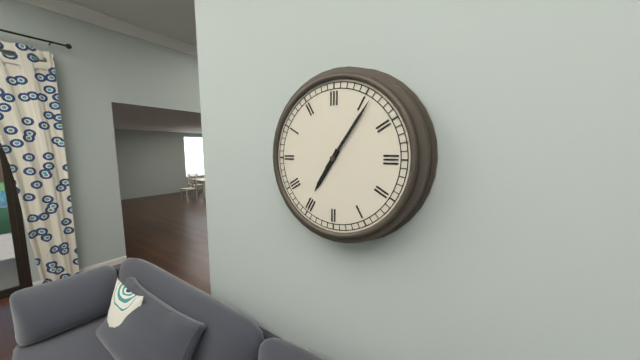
7:06
